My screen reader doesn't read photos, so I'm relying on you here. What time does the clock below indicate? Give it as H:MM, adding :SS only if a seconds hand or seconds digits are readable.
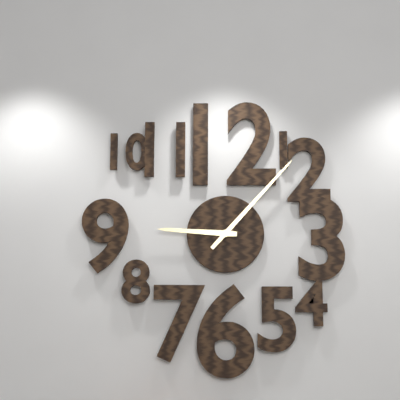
9:07
